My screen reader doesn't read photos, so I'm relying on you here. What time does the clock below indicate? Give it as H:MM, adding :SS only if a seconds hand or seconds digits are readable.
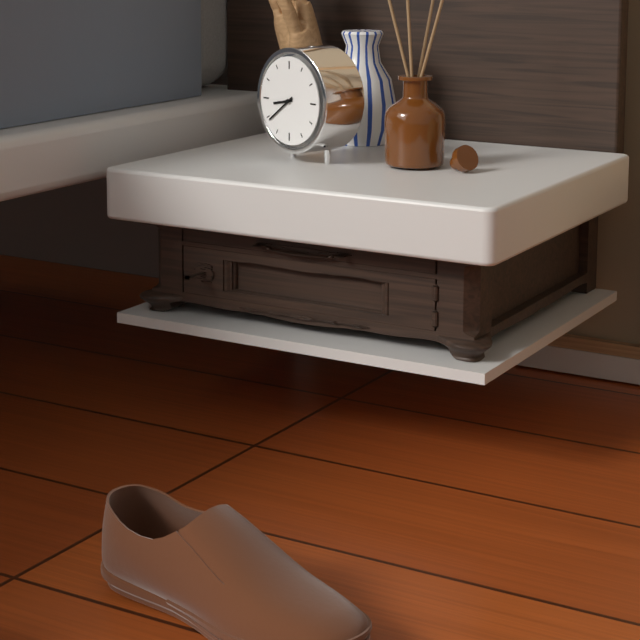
8:39
